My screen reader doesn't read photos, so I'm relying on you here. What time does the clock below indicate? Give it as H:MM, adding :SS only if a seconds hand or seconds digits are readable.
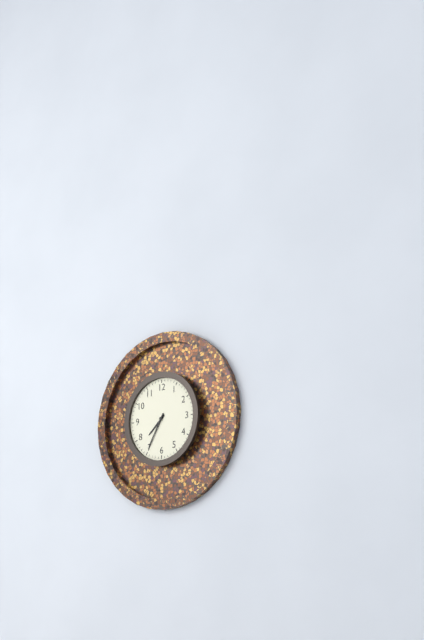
7:35
